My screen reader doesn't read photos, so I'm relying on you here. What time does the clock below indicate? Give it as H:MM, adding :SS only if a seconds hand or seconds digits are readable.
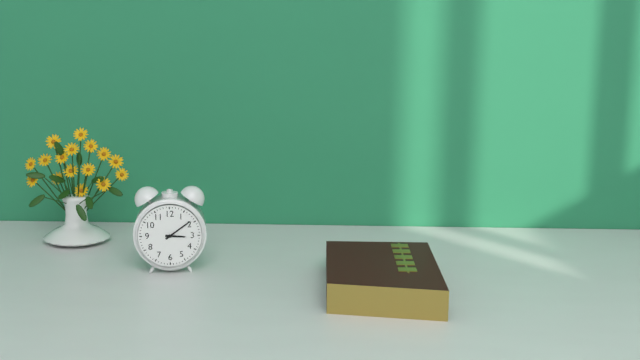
3:09
